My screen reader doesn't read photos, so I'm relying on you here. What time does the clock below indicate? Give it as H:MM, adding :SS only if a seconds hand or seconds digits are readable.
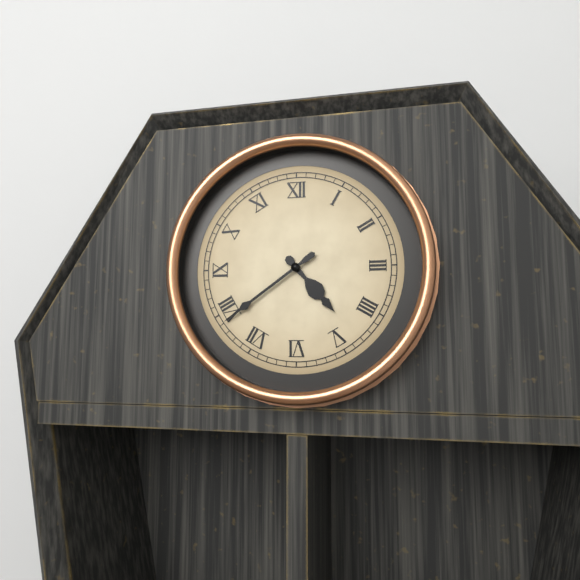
4:39
